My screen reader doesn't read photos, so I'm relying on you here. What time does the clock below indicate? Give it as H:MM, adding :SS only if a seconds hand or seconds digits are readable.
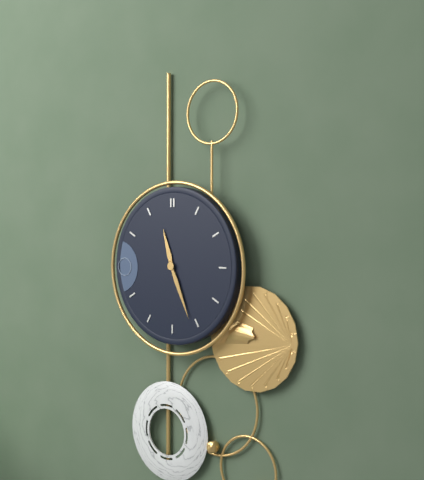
11:26
